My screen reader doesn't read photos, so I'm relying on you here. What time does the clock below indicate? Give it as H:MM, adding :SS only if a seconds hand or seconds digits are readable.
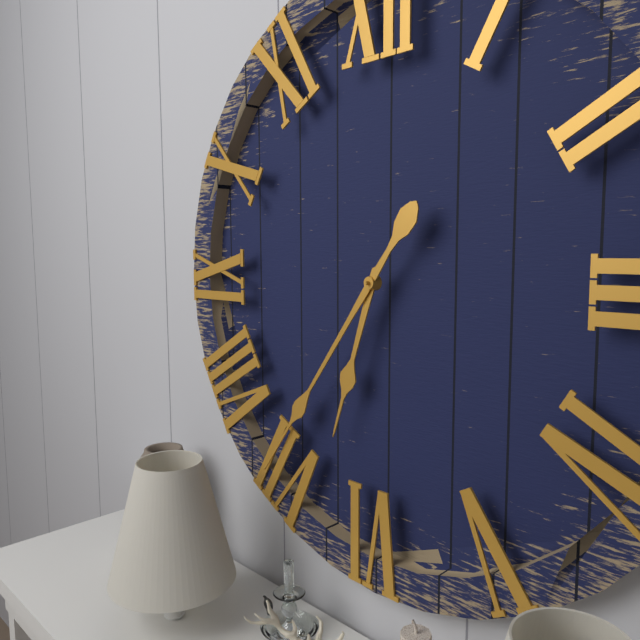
6:36
